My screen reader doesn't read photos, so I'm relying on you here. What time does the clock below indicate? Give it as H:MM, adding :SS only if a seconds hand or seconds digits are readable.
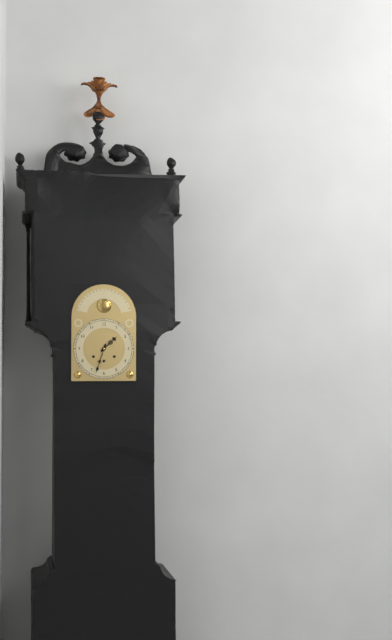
1:33
